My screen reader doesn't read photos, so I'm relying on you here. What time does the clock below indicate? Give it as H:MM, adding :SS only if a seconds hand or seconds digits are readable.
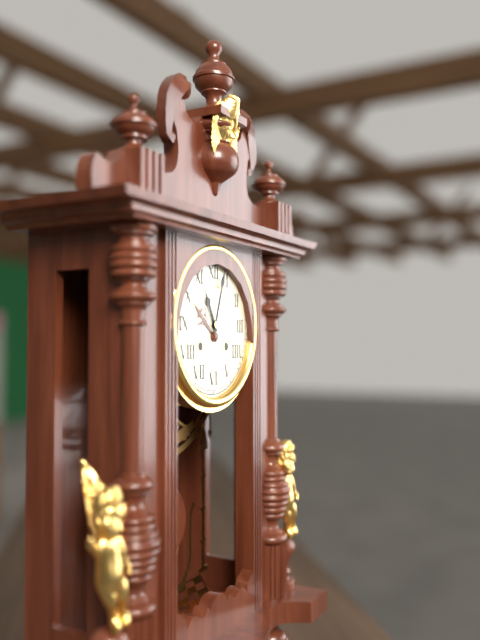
11:03
